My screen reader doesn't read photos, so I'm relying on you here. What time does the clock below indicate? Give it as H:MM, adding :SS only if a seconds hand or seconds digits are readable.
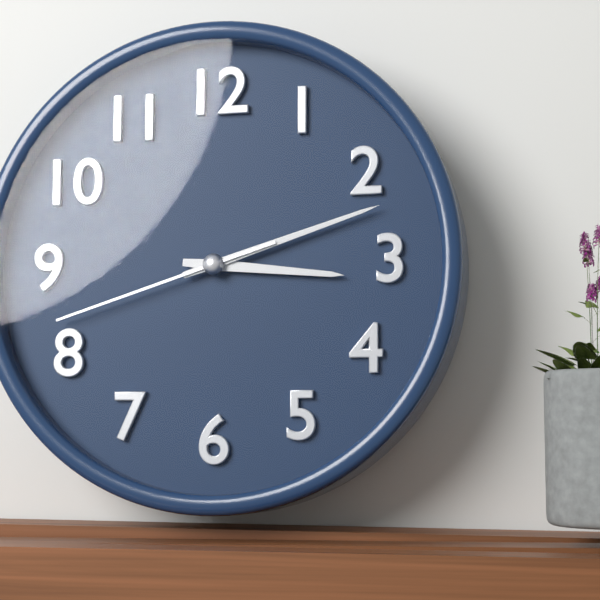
3:12:42
